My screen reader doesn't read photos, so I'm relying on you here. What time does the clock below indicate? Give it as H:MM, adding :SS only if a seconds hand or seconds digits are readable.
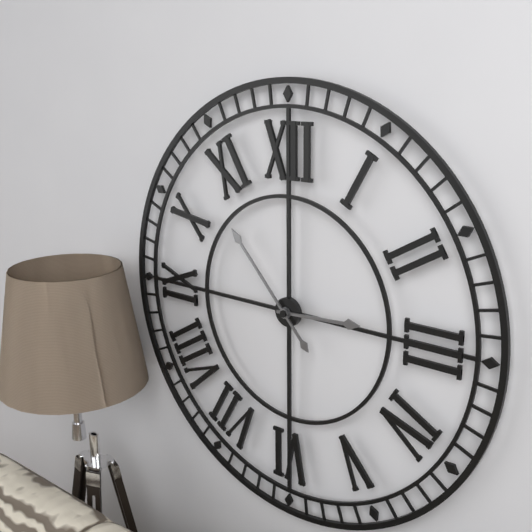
2:53
